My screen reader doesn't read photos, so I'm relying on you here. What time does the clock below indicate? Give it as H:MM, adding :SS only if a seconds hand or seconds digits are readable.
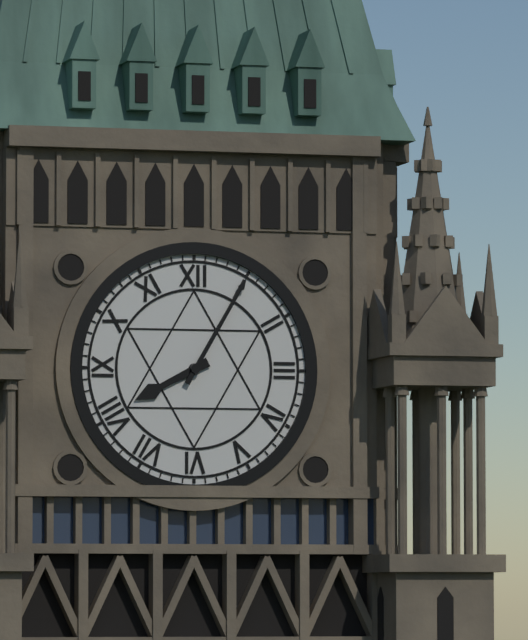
8:05
